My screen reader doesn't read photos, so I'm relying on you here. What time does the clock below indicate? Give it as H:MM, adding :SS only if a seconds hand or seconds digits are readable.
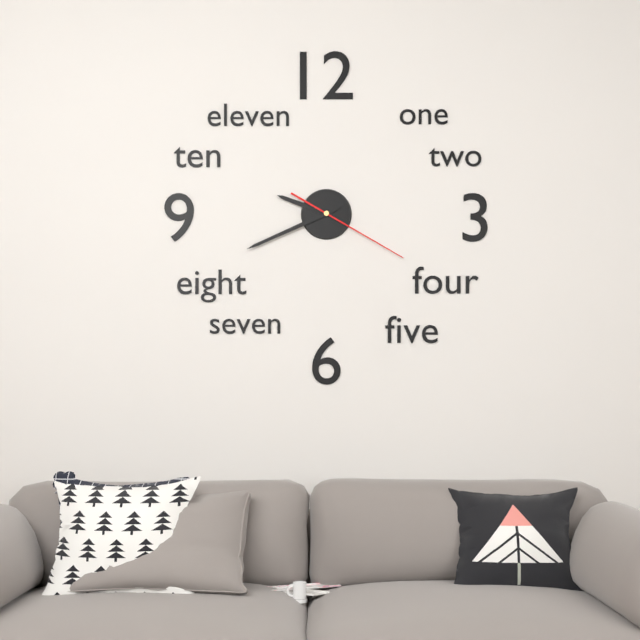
9:41:20
